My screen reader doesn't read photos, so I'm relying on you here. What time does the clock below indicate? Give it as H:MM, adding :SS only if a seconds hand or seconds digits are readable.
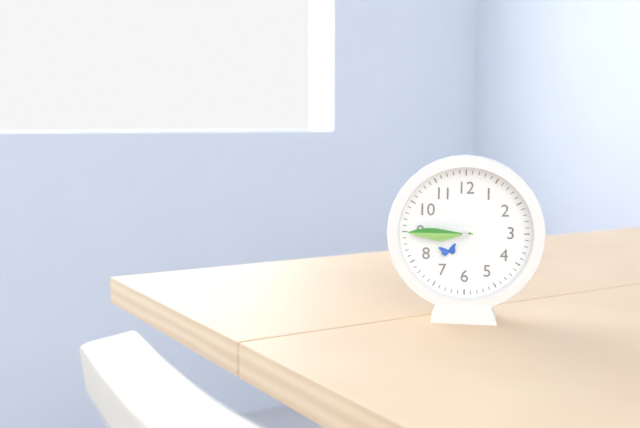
8:45
